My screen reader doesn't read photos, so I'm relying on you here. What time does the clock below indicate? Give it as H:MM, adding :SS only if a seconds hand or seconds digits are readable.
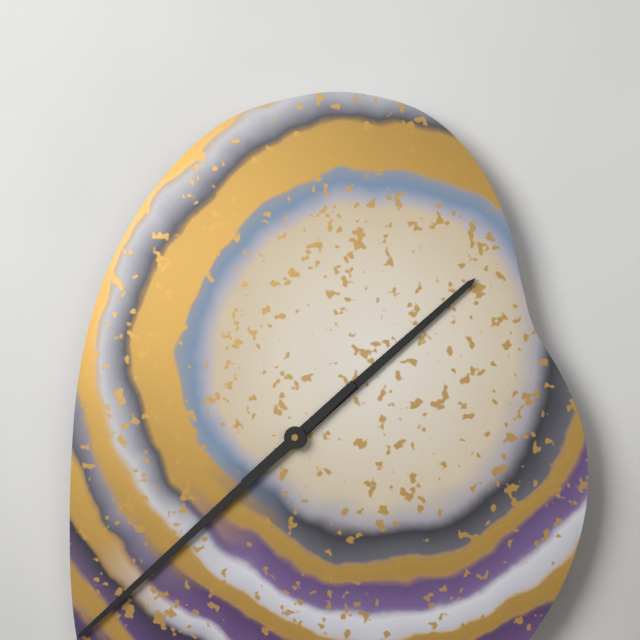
1:38
